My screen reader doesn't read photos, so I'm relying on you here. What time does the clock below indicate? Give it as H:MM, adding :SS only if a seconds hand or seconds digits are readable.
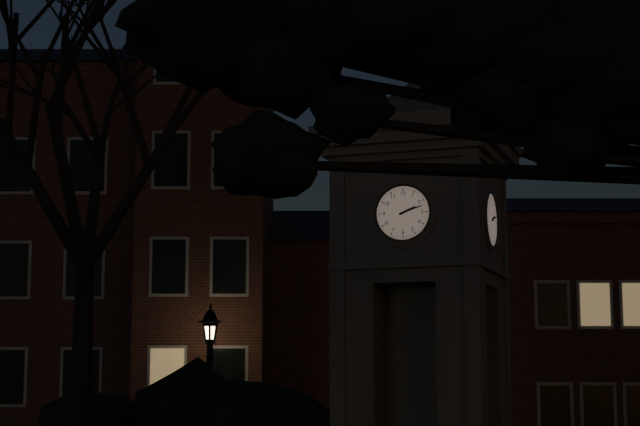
2:12
